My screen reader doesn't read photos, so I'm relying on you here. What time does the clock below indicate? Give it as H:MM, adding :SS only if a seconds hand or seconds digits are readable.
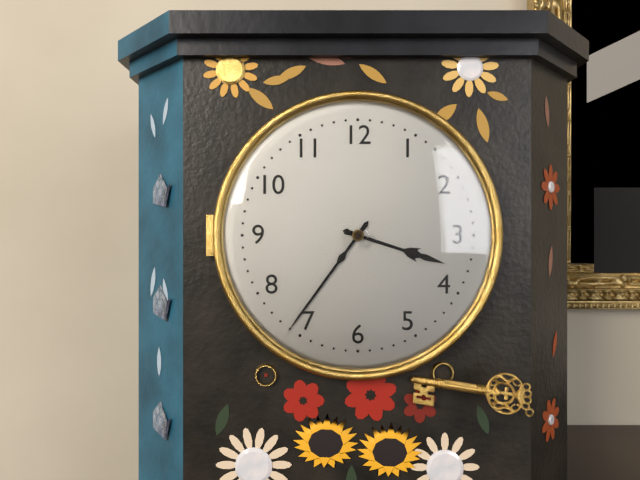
3:36
